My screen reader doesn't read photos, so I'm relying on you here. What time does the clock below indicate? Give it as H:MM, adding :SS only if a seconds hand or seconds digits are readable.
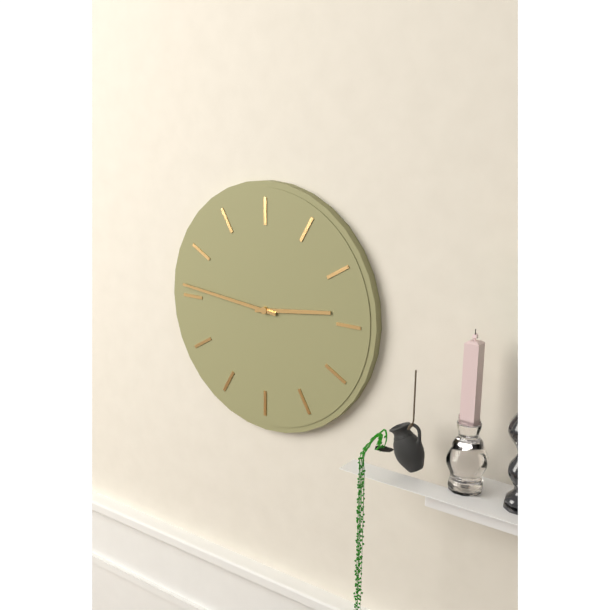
2:46
